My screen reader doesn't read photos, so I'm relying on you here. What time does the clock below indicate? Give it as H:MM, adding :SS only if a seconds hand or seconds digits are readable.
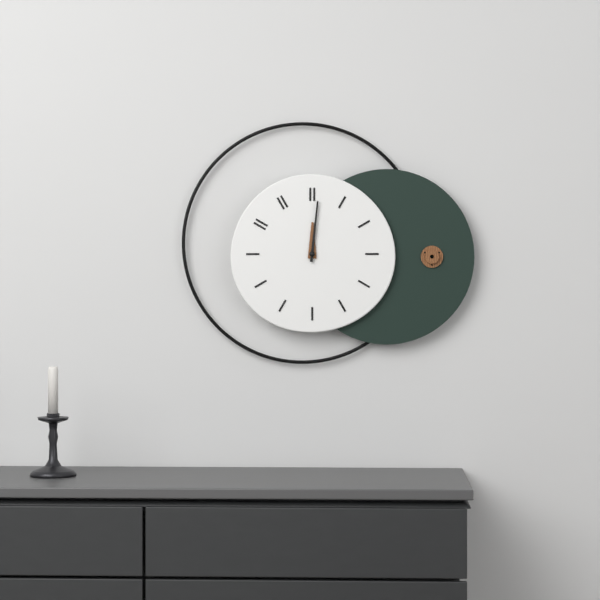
12:01
